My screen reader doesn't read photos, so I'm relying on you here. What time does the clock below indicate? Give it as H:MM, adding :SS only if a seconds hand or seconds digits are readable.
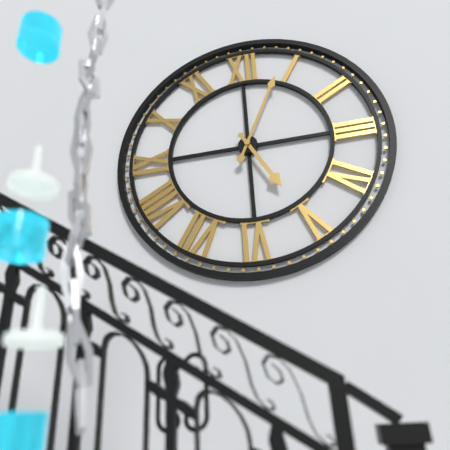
5:04
